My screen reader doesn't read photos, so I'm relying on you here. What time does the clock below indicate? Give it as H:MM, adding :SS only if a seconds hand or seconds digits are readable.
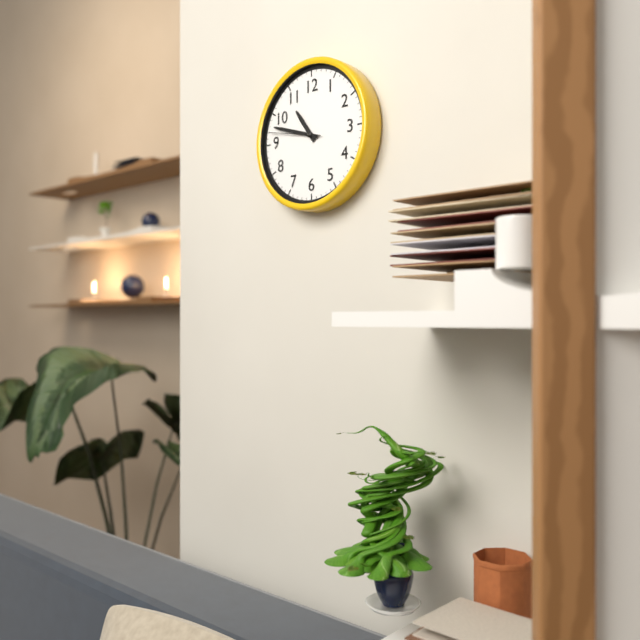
10:48:47
